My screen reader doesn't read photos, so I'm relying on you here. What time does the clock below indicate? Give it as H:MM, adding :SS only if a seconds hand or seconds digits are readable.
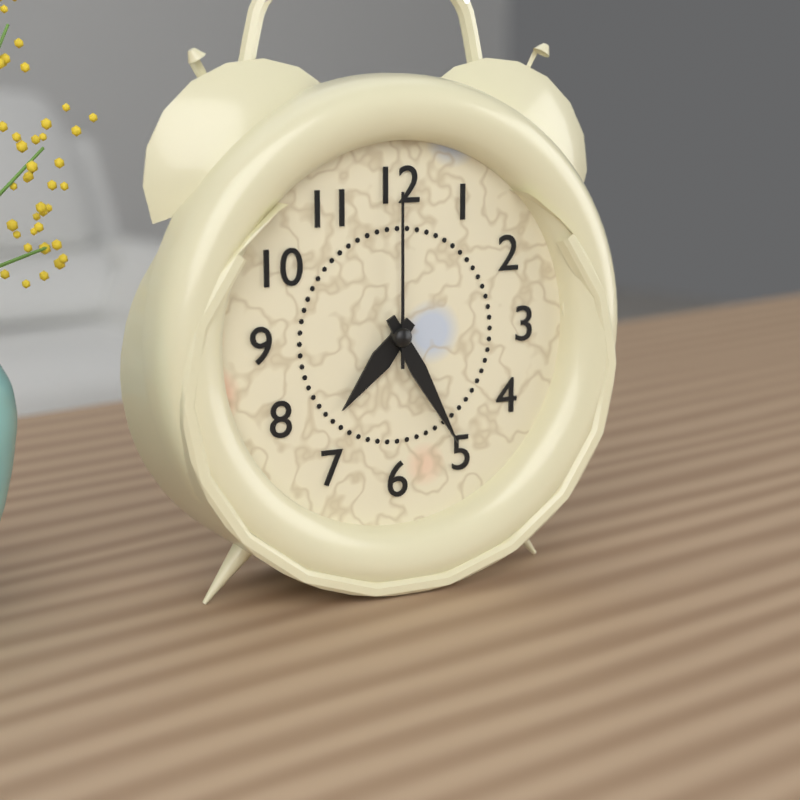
7:25:00
